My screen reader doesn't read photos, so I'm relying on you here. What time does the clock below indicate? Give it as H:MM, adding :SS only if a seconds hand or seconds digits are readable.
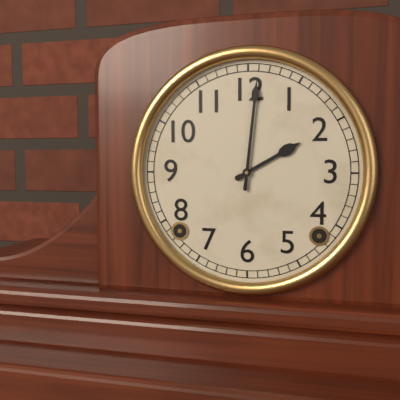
2:01
